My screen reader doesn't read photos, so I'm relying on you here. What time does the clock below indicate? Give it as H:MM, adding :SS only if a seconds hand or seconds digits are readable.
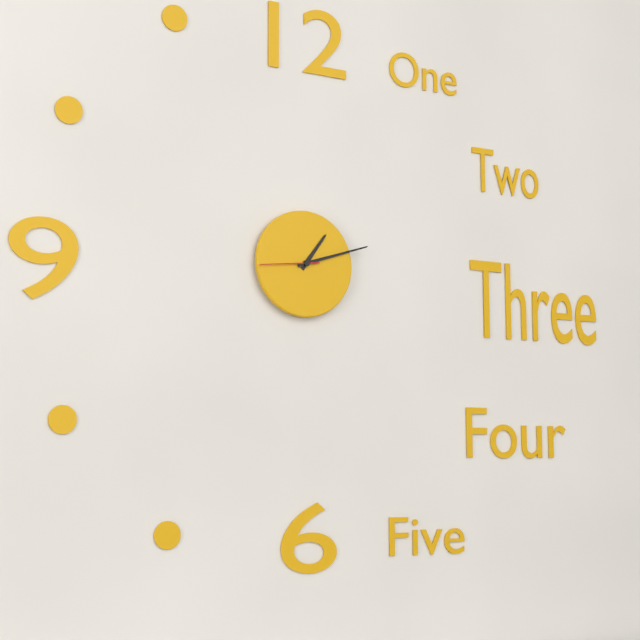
1:12:44
